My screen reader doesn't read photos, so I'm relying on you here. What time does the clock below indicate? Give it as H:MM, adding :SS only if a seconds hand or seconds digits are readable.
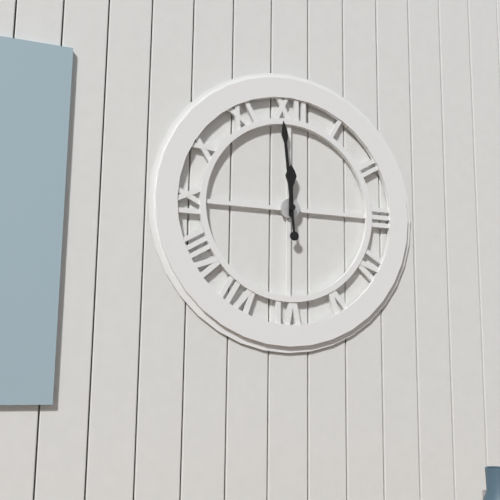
11:59
